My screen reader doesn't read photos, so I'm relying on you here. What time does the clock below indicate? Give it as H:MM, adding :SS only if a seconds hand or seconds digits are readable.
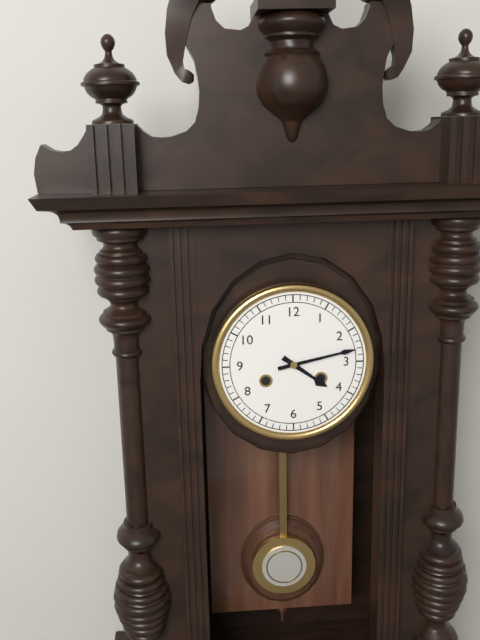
4:13
